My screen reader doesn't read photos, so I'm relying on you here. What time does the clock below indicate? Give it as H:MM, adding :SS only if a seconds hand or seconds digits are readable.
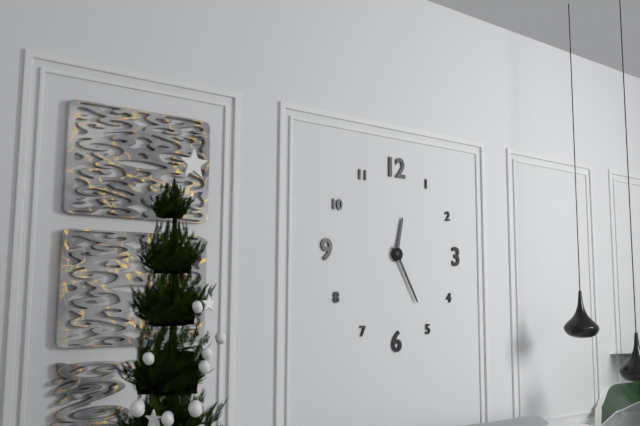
12:25
